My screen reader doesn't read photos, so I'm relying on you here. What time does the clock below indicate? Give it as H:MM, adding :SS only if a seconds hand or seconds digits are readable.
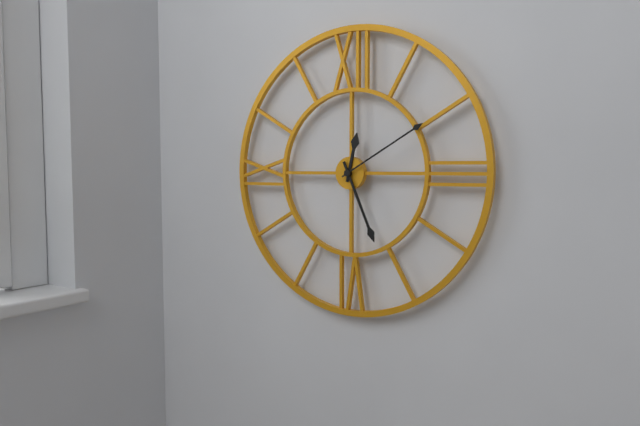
12:26:10
